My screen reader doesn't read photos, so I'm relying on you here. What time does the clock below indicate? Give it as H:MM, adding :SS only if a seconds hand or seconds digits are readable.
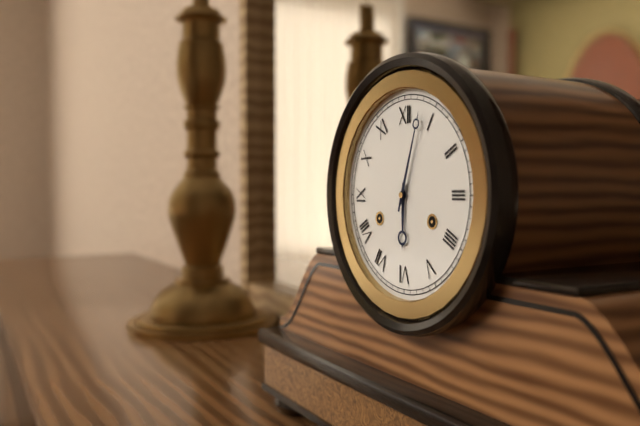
6:03
